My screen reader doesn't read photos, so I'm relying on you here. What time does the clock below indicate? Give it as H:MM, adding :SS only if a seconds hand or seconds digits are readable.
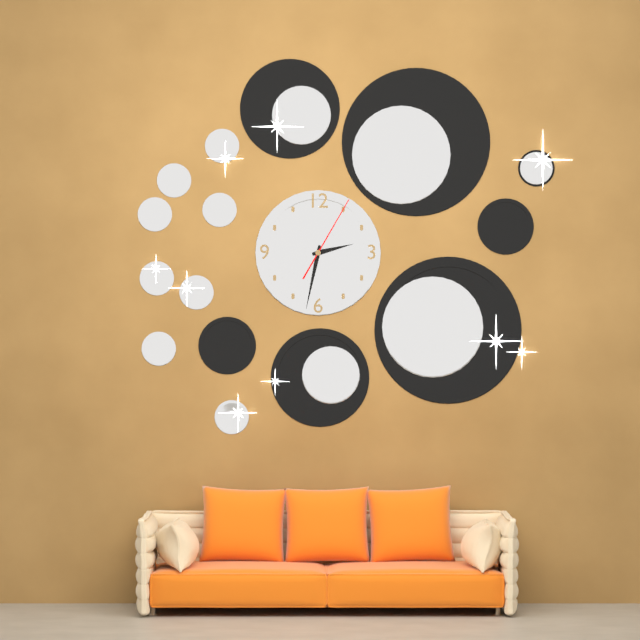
2:32:05
